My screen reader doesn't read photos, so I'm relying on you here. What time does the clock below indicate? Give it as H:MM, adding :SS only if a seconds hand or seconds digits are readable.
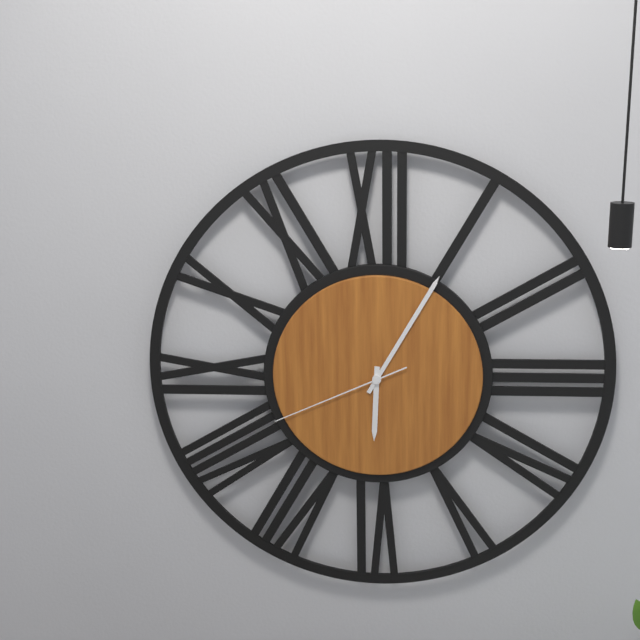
6:05:41
